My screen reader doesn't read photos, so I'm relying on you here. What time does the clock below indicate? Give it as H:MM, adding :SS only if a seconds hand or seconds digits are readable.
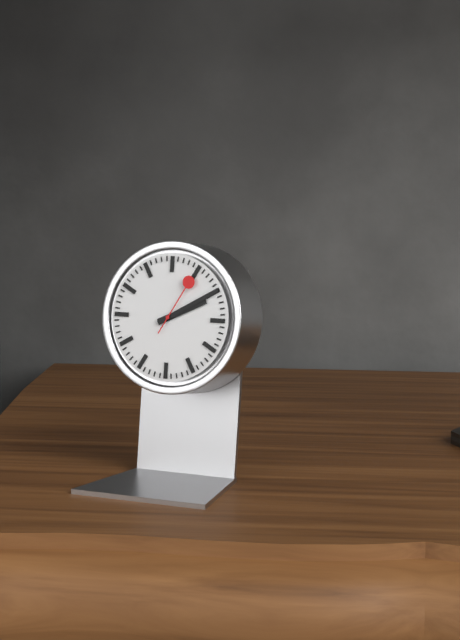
2:10:05
